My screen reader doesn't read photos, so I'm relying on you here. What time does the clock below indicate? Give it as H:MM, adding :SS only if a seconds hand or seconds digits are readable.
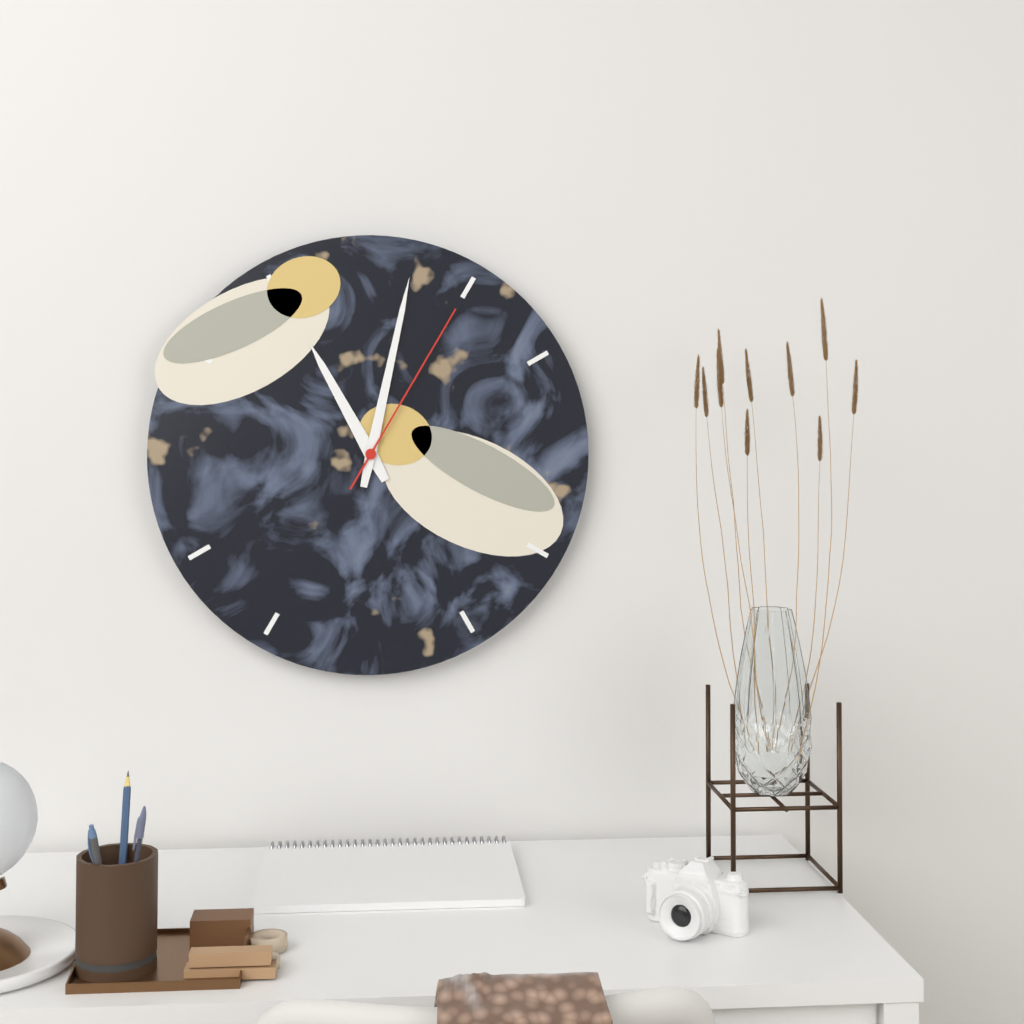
11:02:05
